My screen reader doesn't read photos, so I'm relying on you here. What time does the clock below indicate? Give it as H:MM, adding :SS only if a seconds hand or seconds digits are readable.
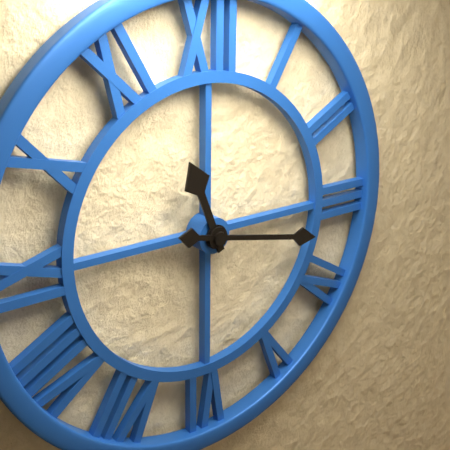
11:17
